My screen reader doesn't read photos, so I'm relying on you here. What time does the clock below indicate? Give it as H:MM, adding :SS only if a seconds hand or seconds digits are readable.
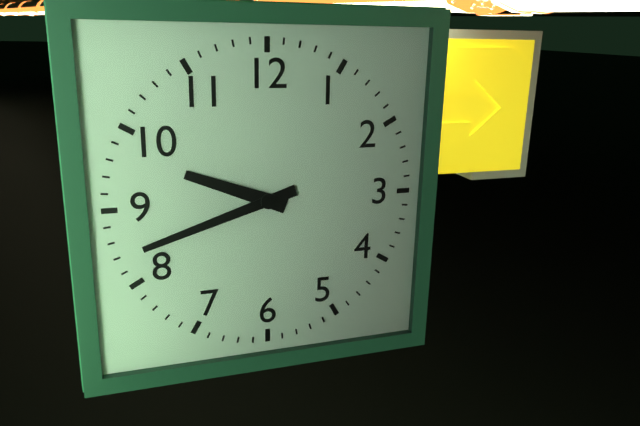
9:42
